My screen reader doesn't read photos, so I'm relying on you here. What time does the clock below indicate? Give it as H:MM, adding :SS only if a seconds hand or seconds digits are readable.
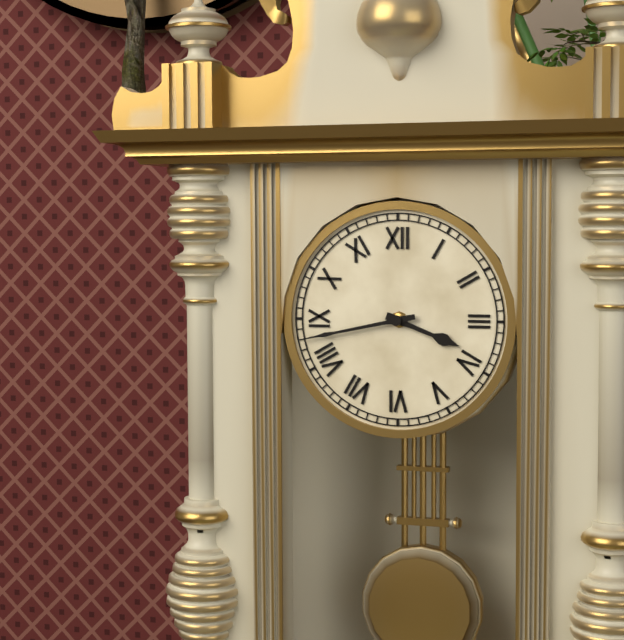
3:43
